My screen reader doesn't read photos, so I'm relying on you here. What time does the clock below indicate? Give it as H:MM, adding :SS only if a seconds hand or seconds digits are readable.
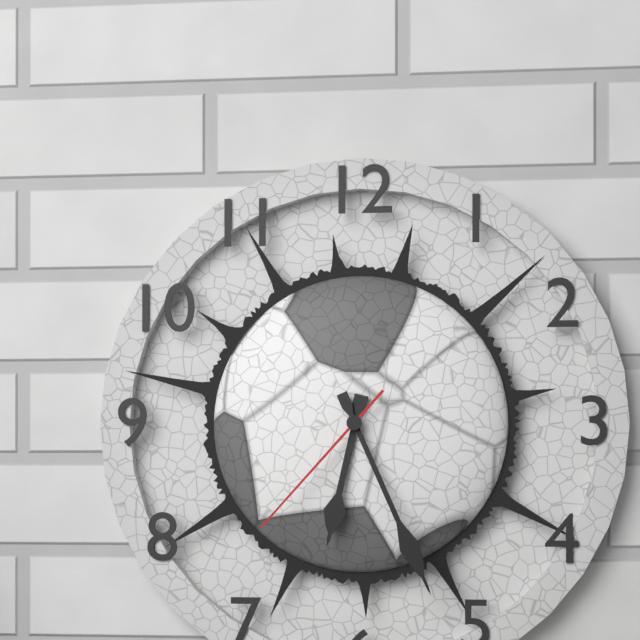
6:26:37
